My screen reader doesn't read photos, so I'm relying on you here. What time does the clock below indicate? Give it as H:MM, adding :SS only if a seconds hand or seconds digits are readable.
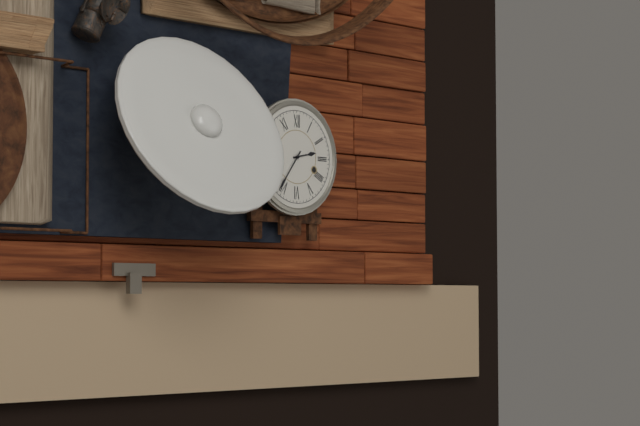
2:36
